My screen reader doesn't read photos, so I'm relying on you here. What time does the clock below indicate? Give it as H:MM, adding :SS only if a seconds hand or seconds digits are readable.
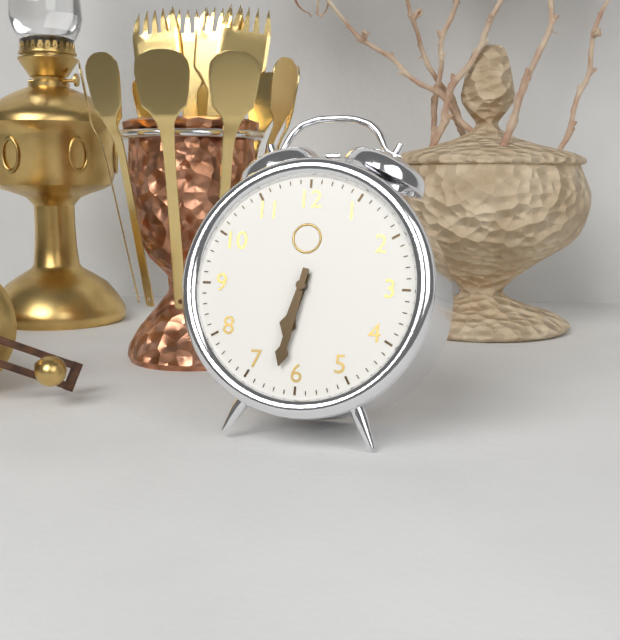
6:32
